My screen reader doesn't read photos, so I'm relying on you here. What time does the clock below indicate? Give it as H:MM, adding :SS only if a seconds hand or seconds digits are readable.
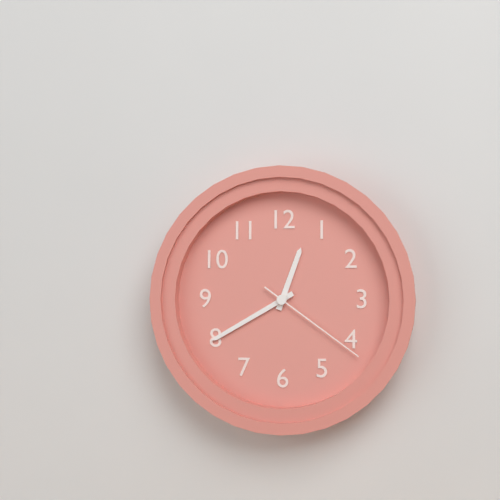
12:40:21
